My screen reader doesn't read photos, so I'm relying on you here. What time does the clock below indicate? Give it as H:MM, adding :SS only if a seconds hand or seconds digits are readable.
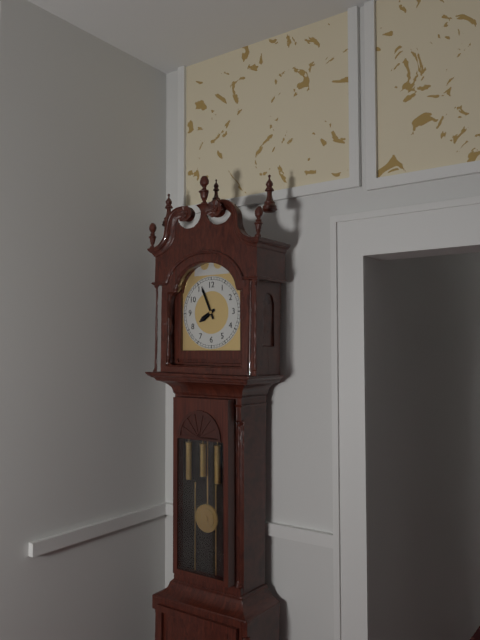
7:56
